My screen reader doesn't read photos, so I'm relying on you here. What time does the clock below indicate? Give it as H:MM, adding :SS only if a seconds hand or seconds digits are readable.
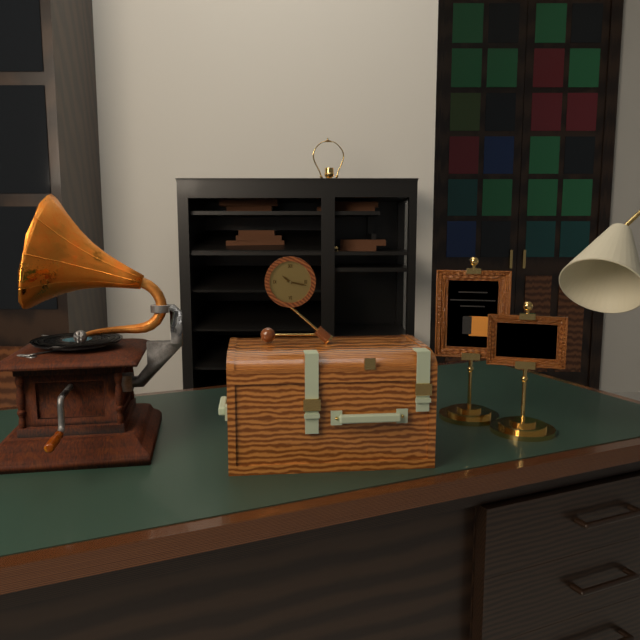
10:17
